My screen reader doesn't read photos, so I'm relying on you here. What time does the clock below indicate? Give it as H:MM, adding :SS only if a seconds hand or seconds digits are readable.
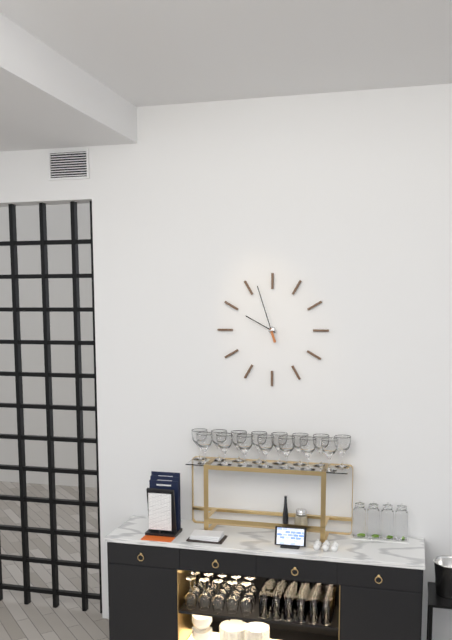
9:57
